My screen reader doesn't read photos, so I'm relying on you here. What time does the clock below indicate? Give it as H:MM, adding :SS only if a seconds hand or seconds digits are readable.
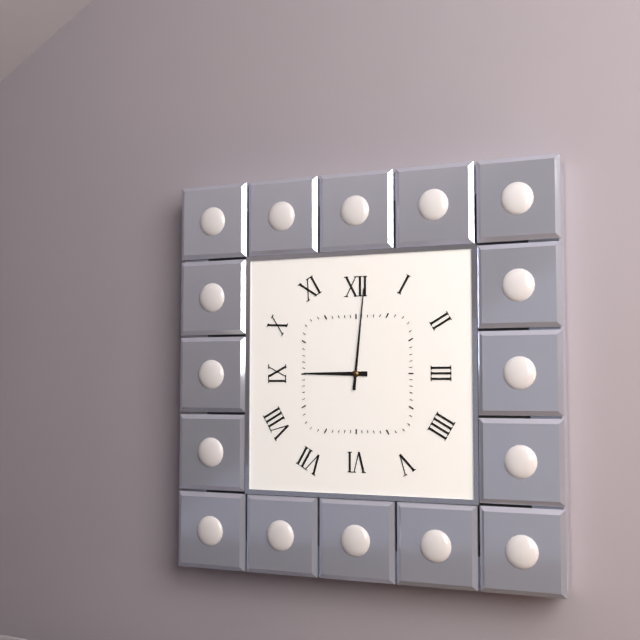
9:01
